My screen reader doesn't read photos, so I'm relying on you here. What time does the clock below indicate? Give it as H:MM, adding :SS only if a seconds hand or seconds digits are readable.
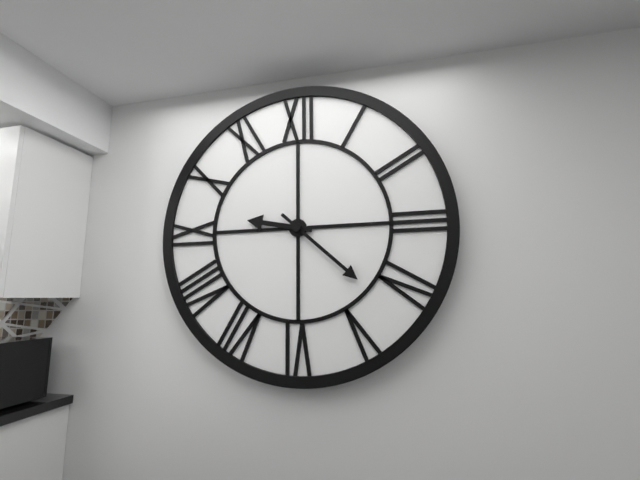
9:22
